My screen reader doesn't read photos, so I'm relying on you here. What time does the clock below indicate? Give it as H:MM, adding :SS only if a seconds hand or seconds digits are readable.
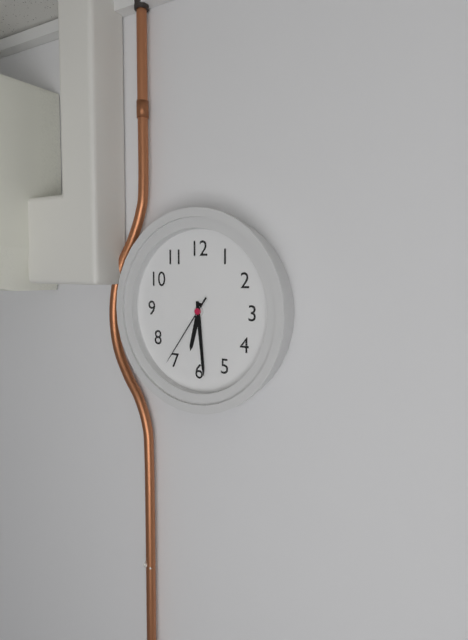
6:29:36
